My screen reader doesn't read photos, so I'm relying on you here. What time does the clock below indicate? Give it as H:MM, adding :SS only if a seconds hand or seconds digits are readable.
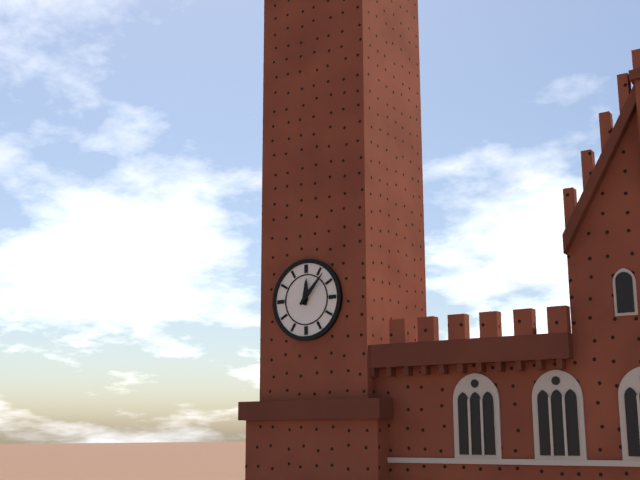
12:07
